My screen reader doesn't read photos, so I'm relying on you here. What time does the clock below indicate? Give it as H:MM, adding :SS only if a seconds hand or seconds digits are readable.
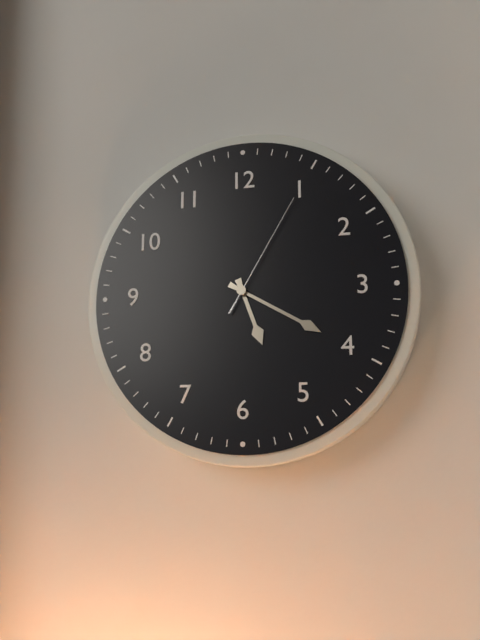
5:20:05
